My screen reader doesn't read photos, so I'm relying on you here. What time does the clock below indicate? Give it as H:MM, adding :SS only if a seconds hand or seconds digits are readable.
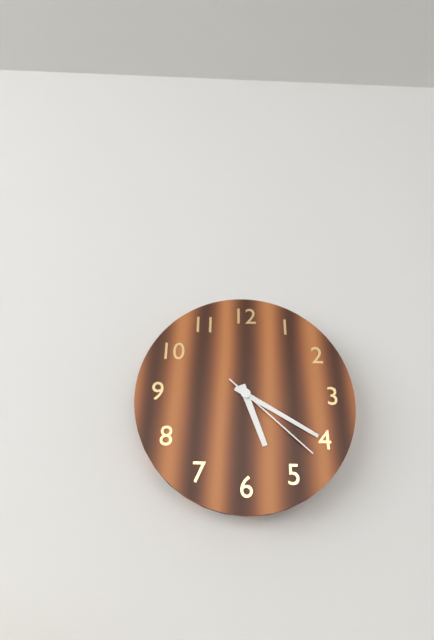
5:20:22
